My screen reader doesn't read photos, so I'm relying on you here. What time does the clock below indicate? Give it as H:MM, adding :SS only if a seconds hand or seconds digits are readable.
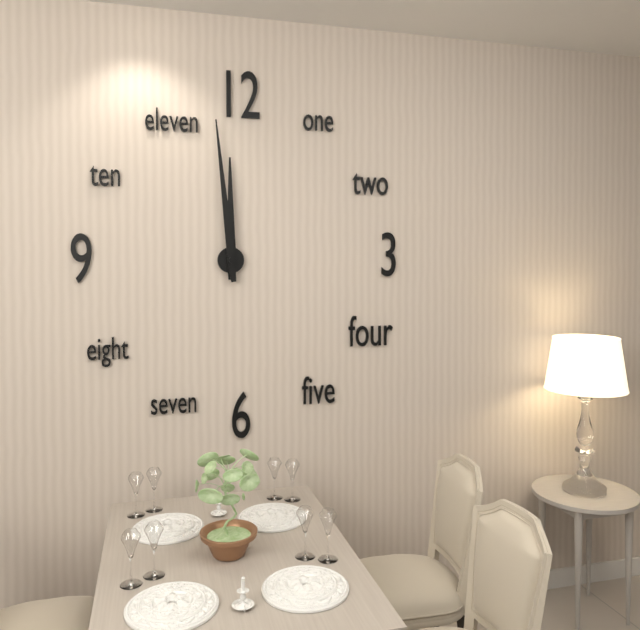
11:59
